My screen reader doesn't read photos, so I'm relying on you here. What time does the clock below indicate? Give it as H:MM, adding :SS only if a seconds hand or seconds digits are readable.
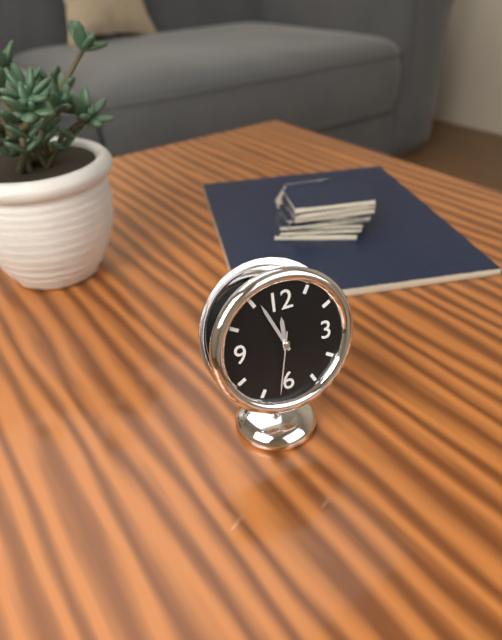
11:56:32
